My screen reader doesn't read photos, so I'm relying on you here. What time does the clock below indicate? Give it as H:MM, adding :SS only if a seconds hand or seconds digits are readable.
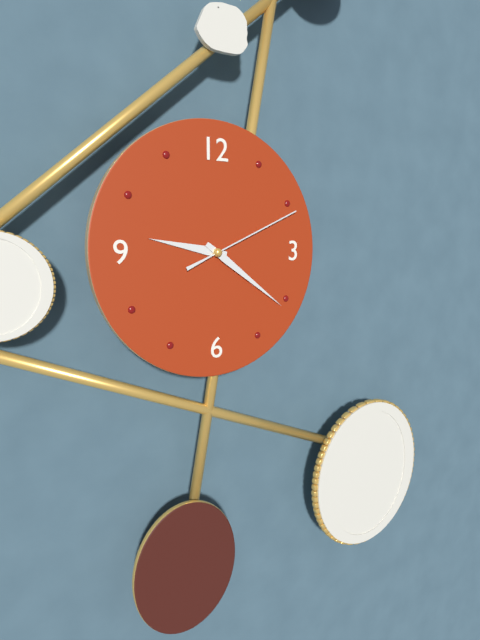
9:21:11
